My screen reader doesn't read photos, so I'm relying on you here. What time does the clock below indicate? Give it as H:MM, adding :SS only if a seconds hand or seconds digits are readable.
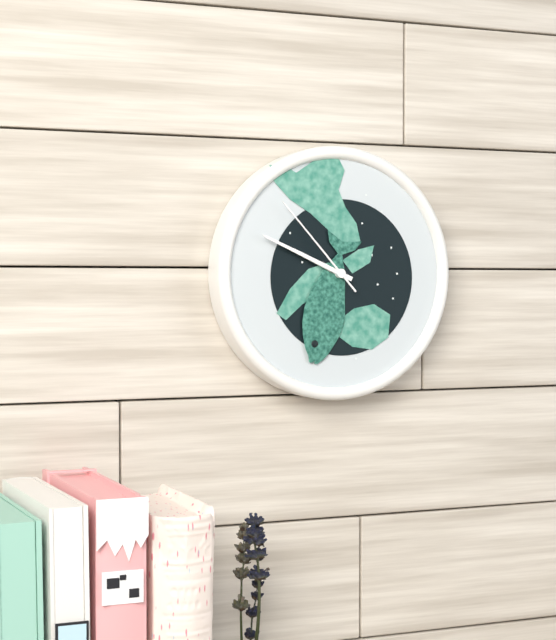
9:49:53
